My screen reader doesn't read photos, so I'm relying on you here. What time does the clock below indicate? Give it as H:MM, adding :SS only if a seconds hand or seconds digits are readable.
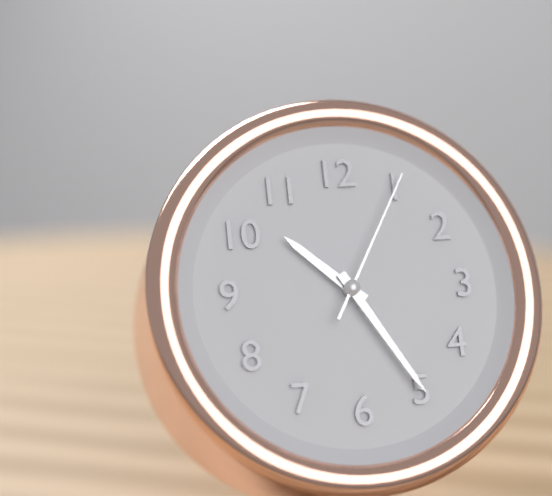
10:25:05
